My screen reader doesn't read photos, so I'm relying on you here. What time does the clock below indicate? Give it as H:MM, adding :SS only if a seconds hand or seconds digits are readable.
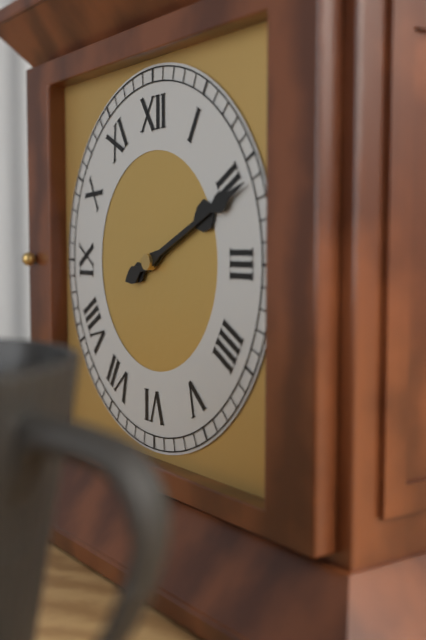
2:11
